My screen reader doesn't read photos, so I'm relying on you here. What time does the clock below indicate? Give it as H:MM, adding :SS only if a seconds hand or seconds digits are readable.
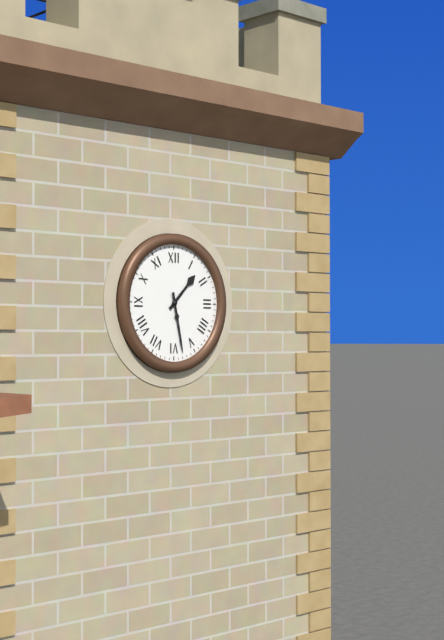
1:28
